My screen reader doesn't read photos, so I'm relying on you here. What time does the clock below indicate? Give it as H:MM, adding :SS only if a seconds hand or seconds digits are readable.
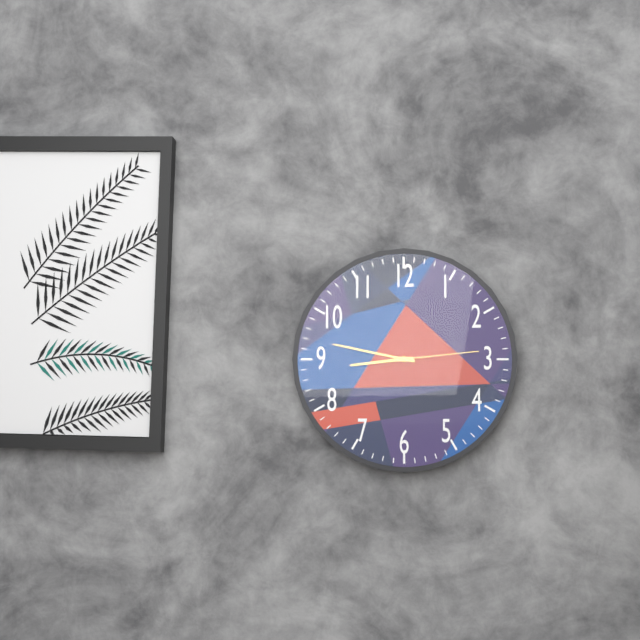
8:47:14
